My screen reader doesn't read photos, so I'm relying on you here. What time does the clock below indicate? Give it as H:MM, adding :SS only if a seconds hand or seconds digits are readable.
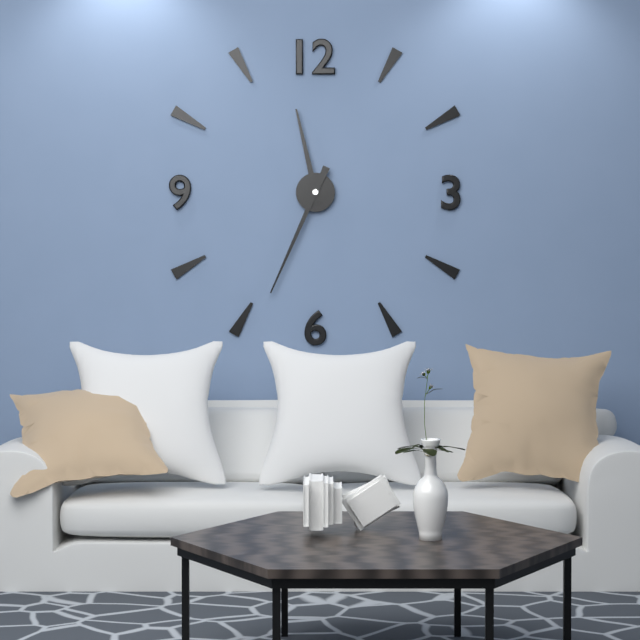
11:34
